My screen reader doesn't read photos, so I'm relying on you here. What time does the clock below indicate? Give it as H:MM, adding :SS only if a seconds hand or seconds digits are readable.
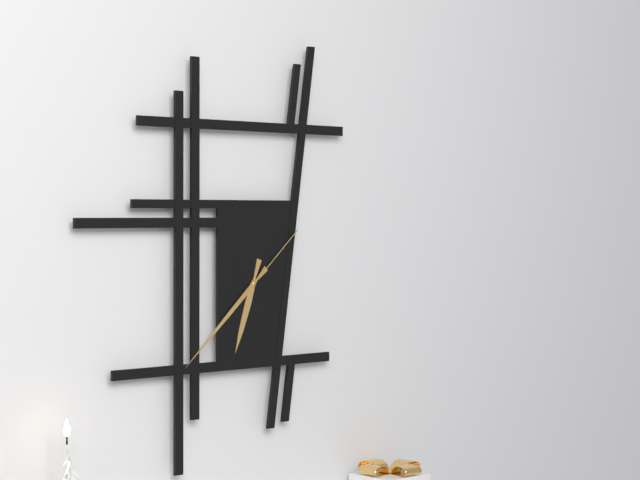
6:38:08
